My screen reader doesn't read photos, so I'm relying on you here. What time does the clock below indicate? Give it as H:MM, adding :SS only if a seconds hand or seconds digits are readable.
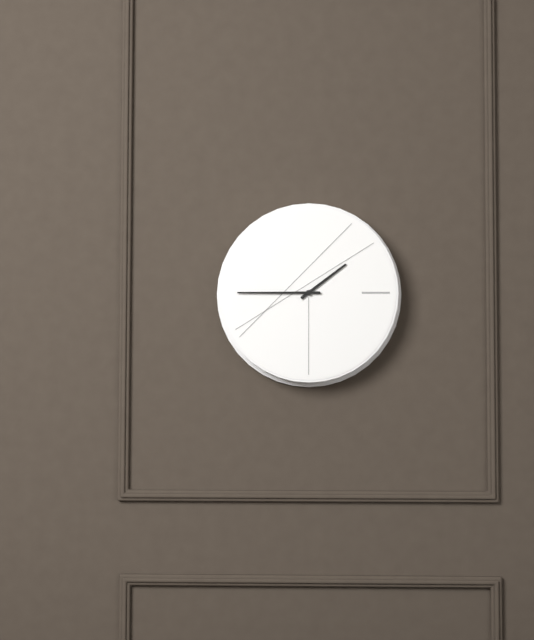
1:45
